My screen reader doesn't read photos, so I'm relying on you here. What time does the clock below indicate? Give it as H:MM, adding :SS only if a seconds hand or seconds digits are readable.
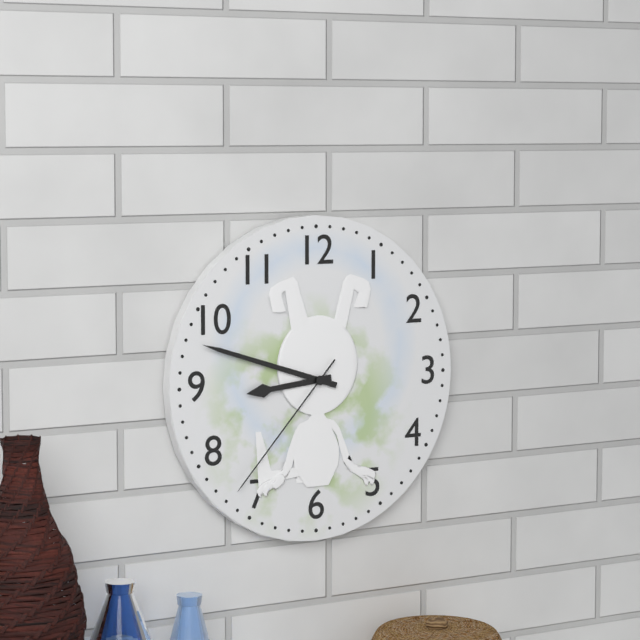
8:48:37
